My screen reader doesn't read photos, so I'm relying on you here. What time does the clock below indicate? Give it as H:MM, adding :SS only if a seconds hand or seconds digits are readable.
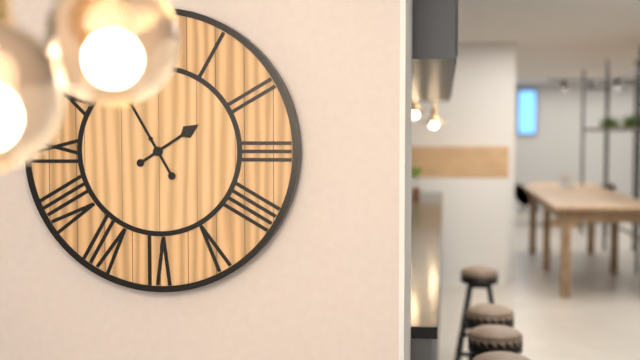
1:55
